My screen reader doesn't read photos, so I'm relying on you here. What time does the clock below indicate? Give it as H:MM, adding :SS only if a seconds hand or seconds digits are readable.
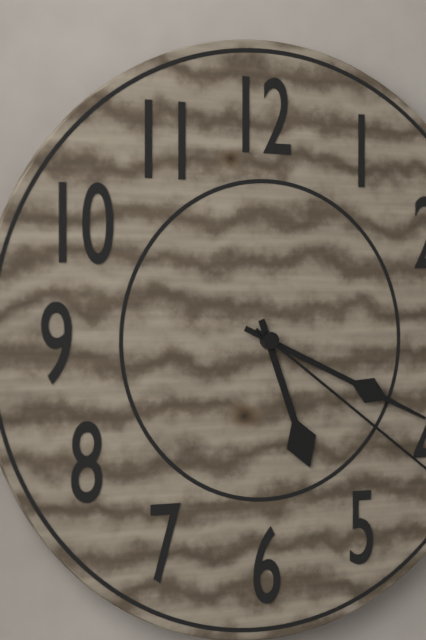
5:19
